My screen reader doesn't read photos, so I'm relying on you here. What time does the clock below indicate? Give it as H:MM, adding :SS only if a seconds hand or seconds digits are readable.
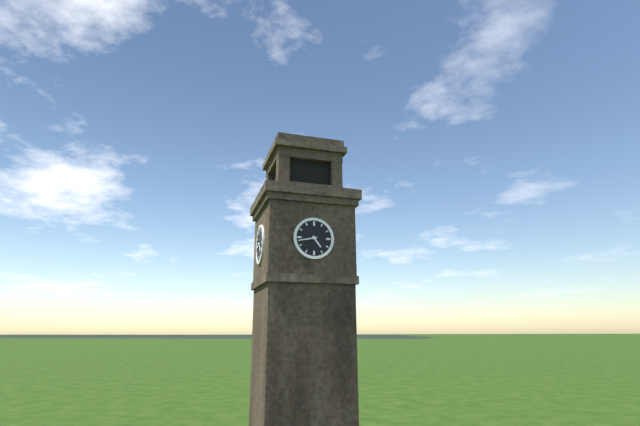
4:43
